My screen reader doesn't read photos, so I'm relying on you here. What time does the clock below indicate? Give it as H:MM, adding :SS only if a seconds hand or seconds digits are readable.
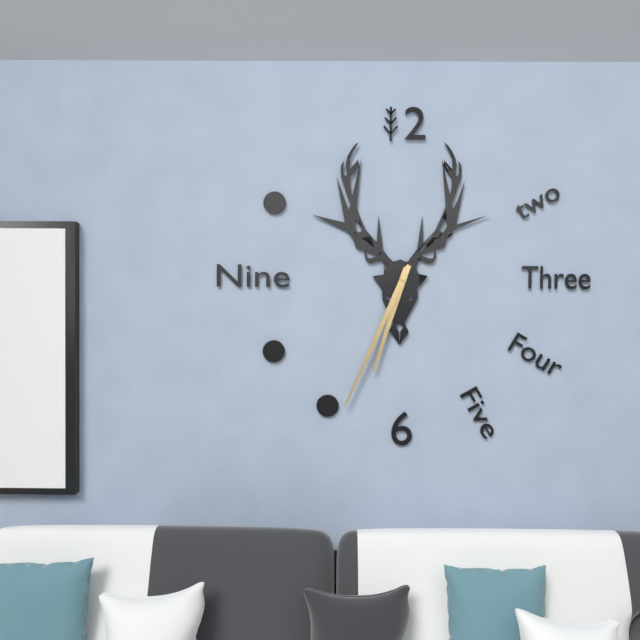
6:34
